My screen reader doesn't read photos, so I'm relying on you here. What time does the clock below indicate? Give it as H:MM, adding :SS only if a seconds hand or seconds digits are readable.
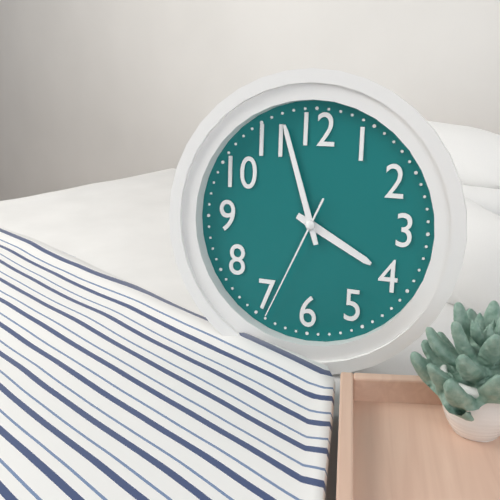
3:57:34
